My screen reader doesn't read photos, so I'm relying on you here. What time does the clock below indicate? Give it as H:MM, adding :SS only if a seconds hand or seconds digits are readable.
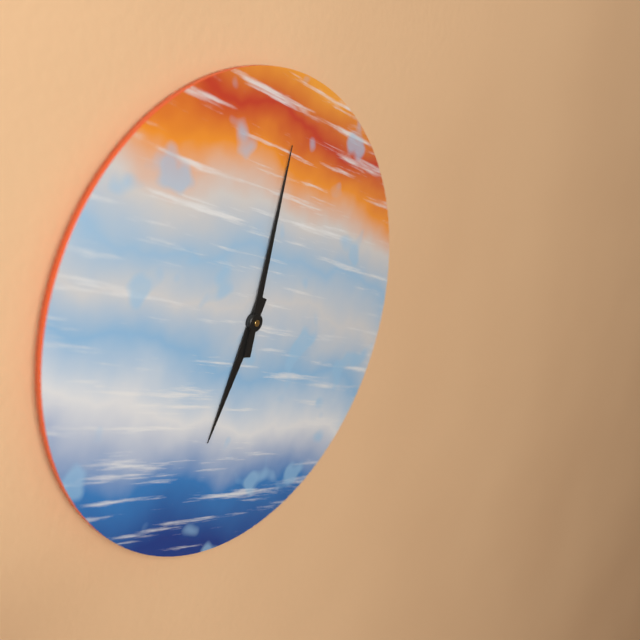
7:03
